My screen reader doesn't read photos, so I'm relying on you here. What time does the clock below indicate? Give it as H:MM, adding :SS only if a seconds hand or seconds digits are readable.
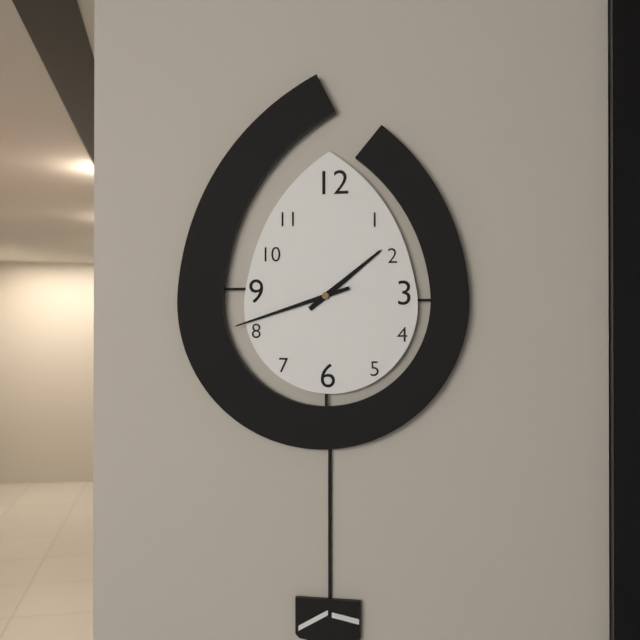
1:42
